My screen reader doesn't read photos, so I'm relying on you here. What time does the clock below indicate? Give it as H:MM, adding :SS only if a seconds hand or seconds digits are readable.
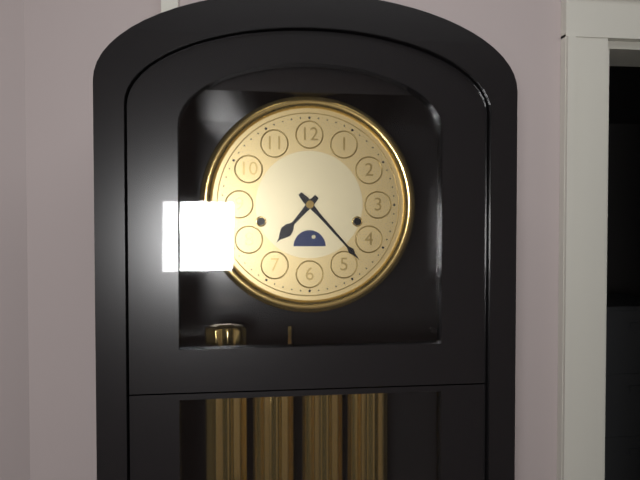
7:23
